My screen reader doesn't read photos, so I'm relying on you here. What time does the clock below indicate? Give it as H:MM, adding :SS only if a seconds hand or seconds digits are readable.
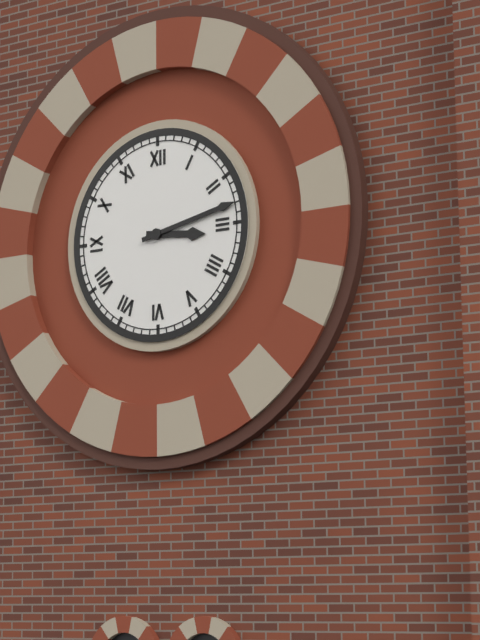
3:13
